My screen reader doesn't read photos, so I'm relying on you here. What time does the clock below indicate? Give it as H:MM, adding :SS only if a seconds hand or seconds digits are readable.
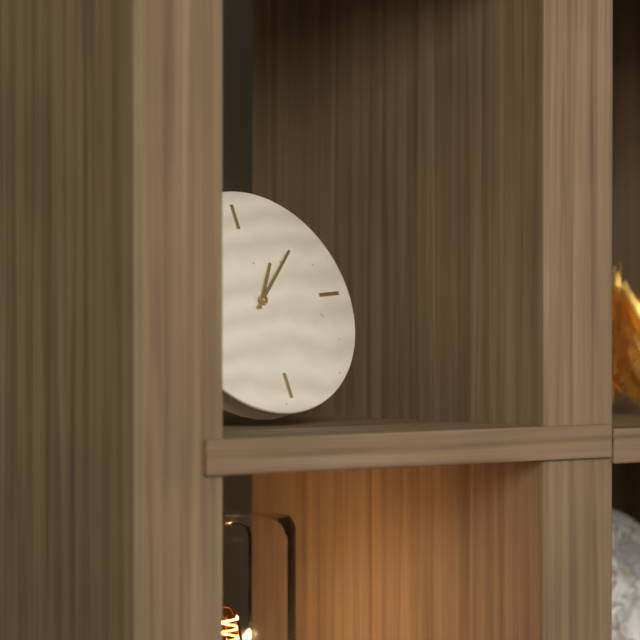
1:08
